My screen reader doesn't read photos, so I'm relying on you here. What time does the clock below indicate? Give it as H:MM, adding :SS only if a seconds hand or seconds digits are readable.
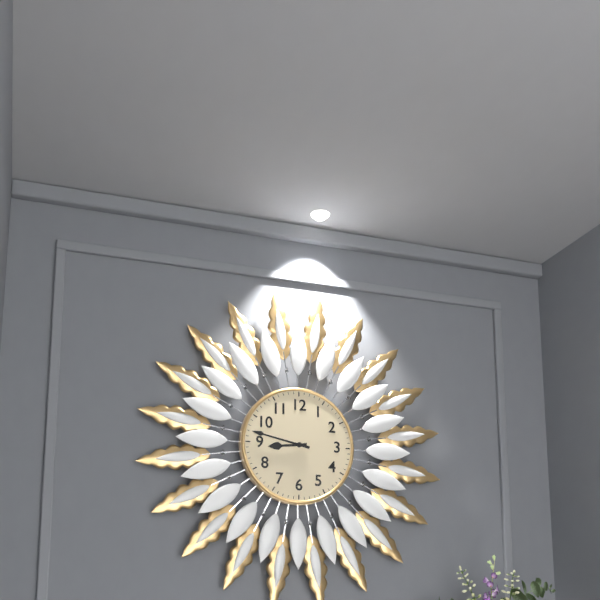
8:47
